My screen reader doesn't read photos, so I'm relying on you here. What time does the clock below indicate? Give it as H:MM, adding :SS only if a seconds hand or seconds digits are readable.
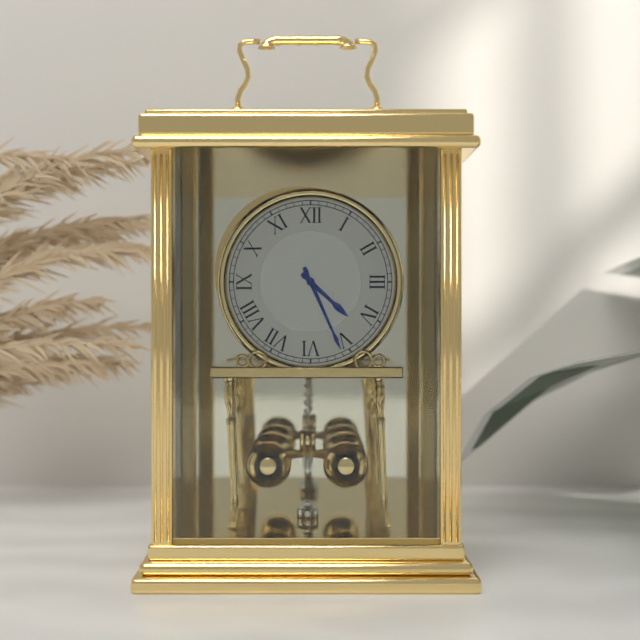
4:26
